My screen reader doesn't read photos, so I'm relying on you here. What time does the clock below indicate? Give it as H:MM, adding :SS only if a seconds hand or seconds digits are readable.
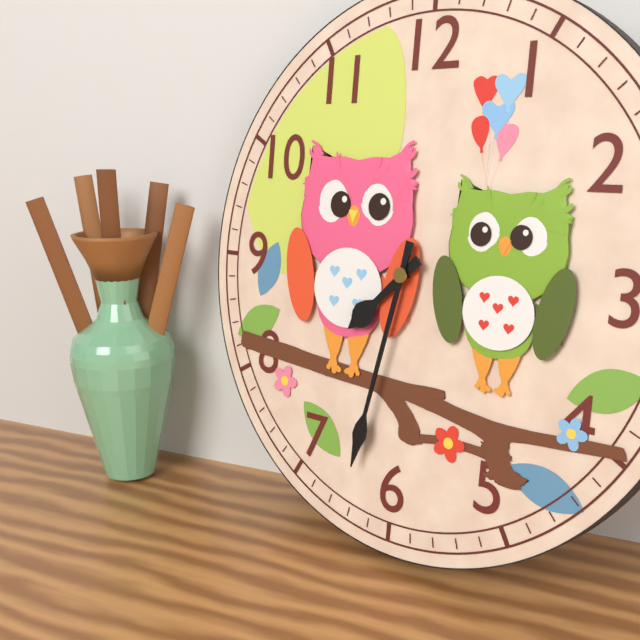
7:32
